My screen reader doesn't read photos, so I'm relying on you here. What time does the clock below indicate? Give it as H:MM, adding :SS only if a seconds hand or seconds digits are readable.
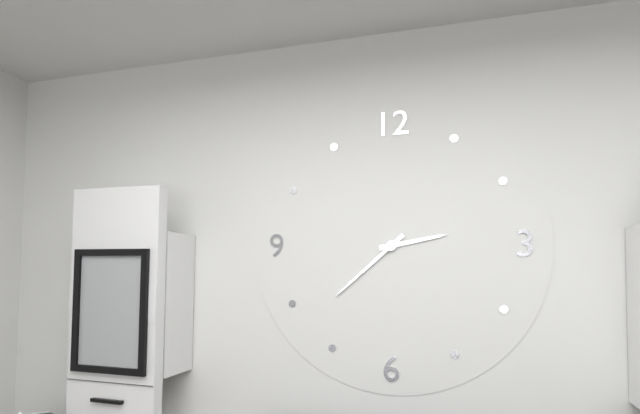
2:38
